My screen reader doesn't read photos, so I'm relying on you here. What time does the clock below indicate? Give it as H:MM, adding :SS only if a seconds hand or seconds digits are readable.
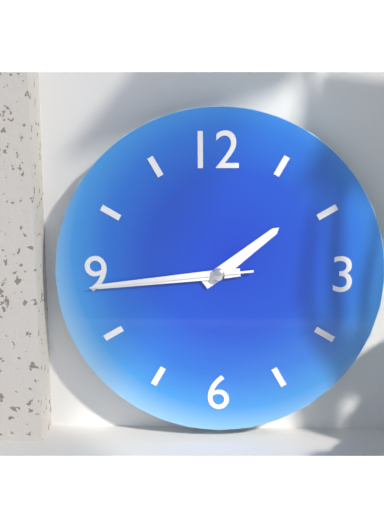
1:44:44
